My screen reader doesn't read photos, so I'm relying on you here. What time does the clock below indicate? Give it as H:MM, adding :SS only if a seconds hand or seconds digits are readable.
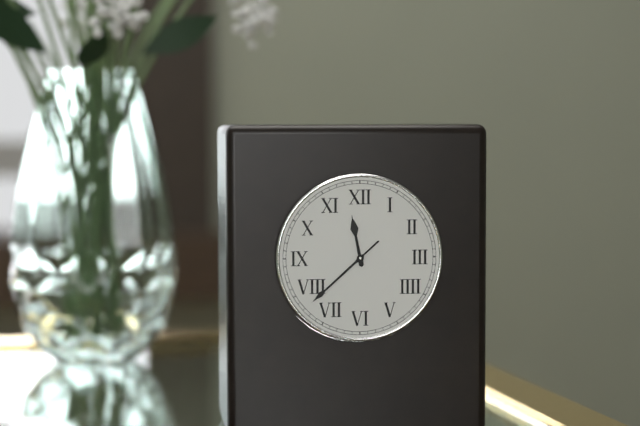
11:38
